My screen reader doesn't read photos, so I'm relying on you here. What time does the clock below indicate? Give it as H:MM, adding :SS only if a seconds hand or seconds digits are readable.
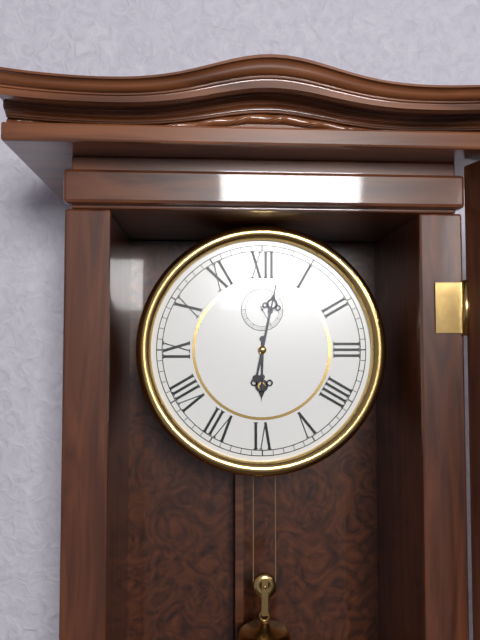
6:02
